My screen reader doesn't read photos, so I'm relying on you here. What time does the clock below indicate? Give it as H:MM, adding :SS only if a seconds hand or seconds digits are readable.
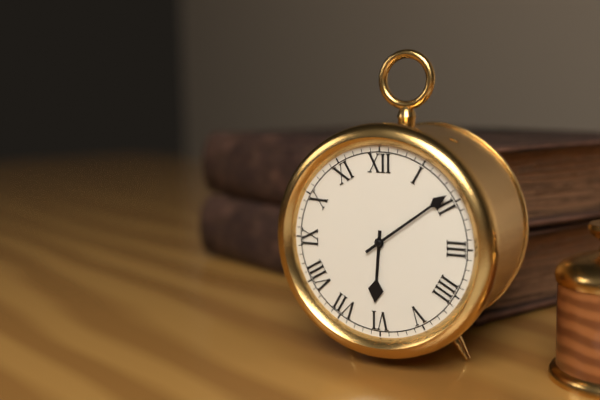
6:09
